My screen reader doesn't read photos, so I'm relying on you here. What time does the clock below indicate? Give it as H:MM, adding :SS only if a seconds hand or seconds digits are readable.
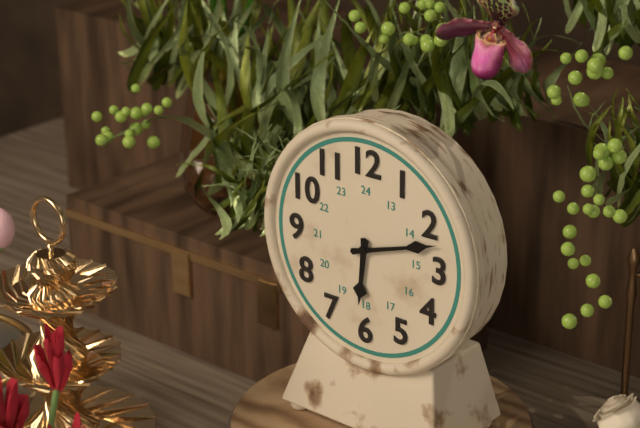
6:12
